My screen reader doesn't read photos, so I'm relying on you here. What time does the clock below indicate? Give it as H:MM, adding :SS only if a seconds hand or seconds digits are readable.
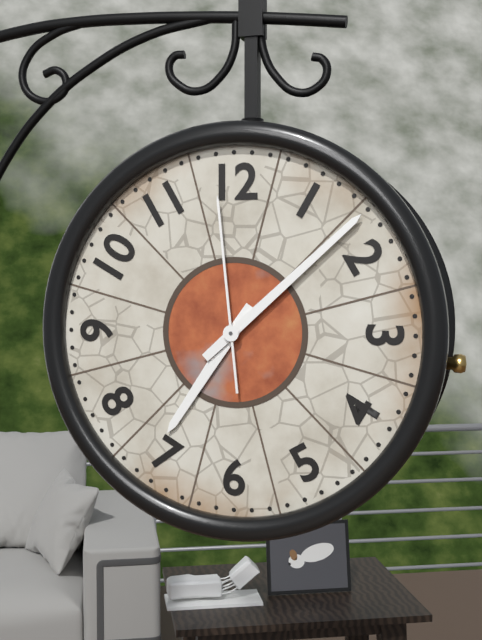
7:08:59
